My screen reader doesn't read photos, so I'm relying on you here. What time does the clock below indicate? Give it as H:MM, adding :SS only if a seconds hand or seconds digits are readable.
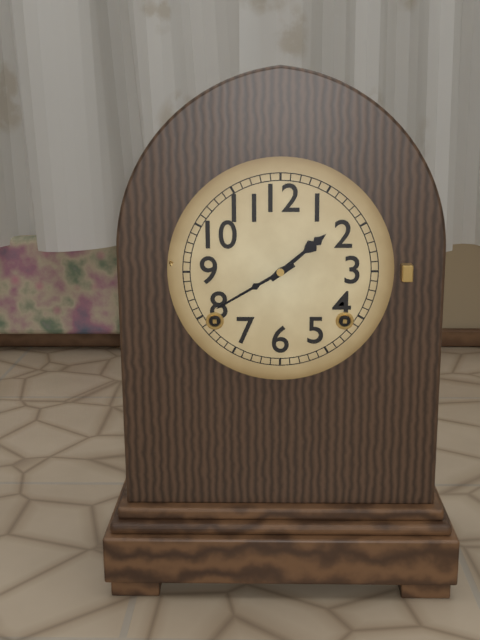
1:40
